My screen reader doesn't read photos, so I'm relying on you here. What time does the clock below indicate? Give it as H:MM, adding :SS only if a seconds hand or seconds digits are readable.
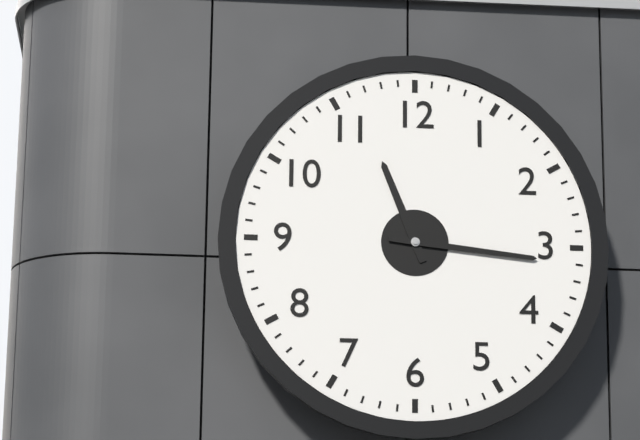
11:16
